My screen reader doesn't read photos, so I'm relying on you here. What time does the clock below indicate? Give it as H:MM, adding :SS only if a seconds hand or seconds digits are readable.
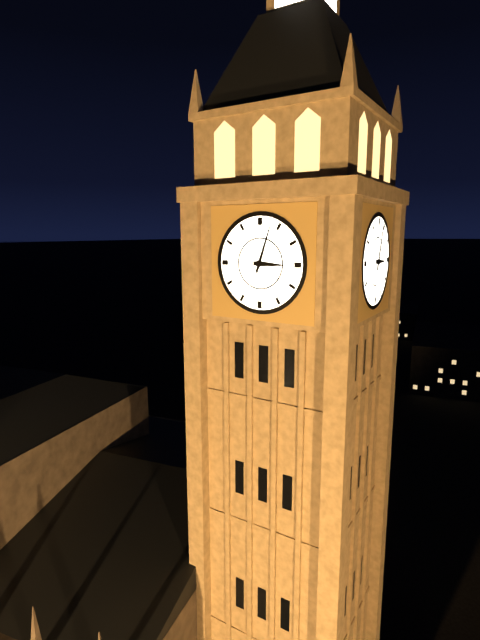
3:03
